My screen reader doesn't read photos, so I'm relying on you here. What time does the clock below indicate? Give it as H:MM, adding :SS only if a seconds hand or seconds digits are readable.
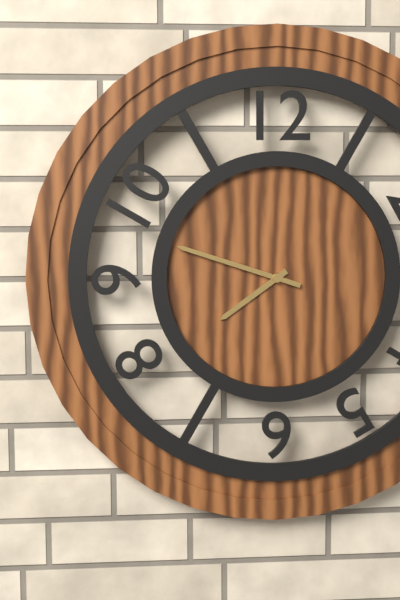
7:48
